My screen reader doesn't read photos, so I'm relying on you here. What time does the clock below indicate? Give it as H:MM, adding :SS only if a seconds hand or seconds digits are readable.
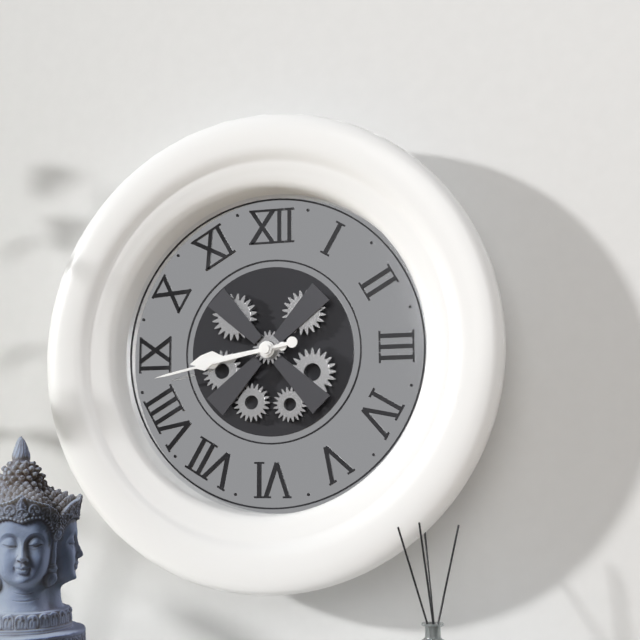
8:43
